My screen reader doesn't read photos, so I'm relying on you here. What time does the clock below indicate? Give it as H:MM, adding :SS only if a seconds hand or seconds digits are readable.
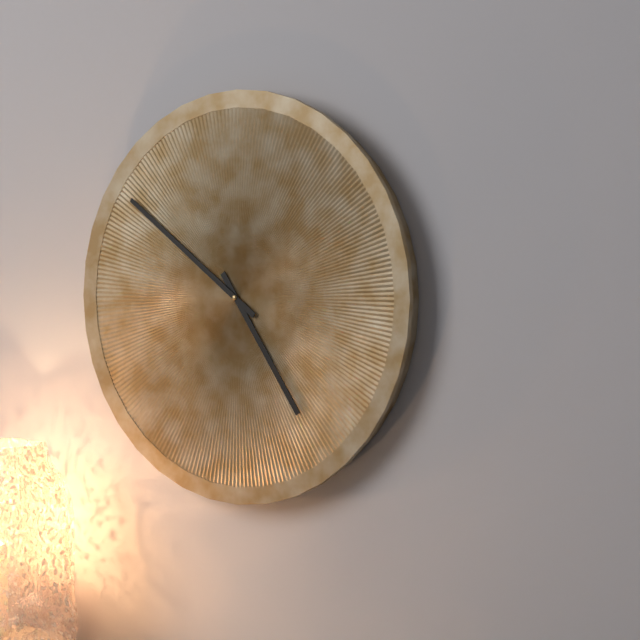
4:51
